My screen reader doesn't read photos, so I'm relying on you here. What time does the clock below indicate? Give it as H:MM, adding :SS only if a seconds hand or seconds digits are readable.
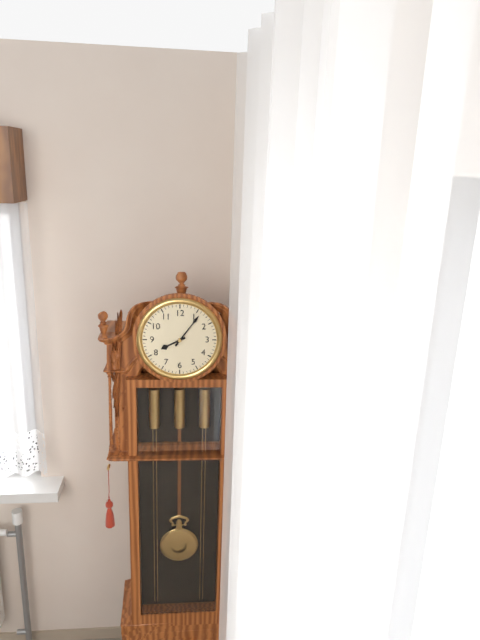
8:06
